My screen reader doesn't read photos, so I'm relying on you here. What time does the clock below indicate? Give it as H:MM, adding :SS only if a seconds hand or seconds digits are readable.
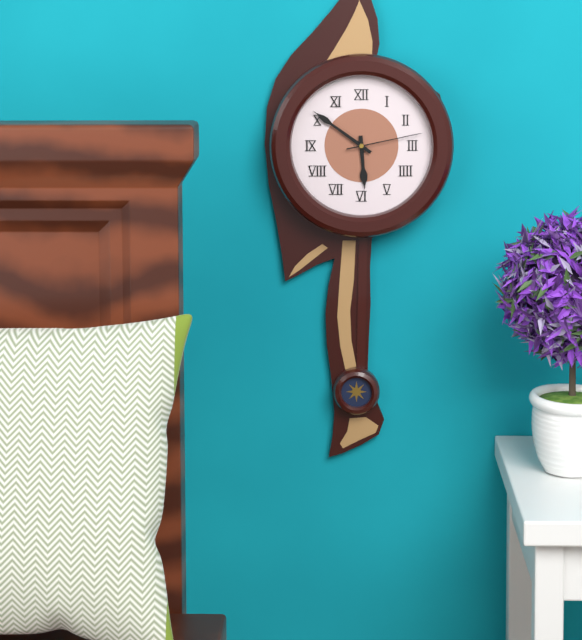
5:51:13
